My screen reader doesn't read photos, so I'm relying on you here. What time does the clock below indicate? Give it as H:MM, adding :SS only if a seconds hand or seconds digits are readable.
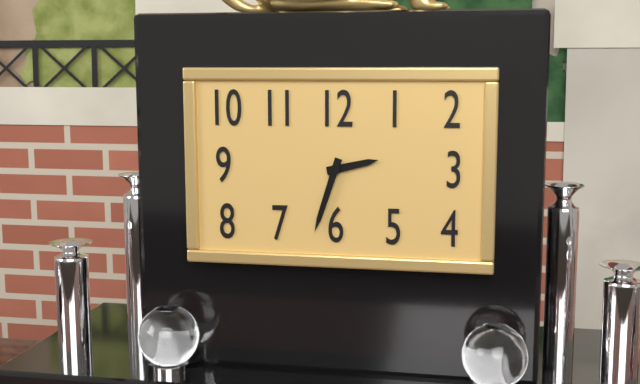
2:33
